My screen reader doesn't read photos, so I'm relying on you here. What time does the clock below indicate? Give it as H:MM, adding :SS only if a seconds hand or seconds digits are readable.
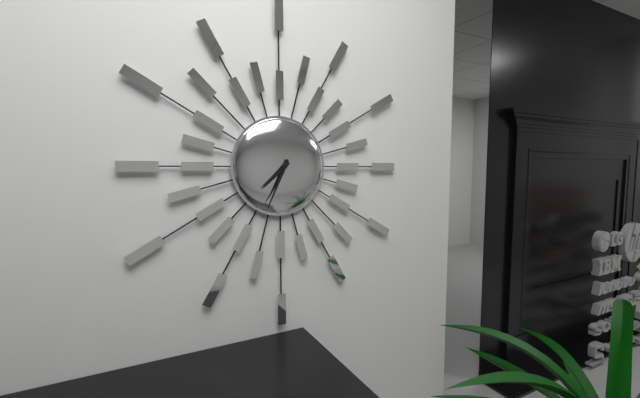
7:34
